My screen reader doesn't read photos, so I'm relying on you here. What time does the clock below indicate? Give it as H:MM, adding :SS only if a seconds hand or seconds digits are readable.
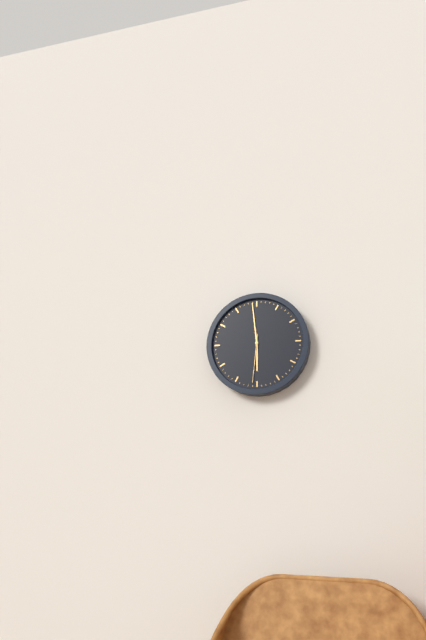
5:59
